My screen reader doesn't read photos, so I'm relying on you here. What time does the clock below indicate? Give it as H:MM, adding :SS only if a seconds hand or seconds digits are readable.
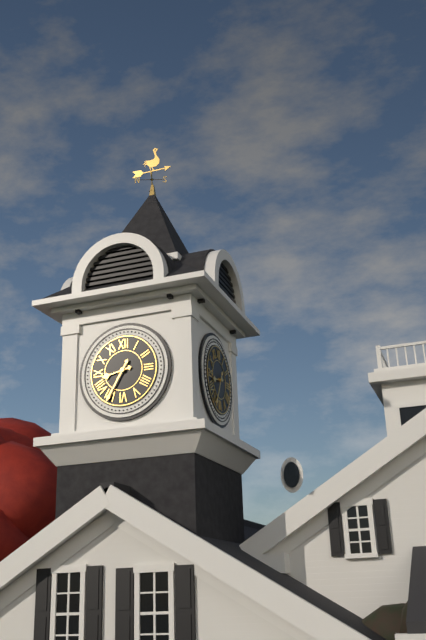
8:35
